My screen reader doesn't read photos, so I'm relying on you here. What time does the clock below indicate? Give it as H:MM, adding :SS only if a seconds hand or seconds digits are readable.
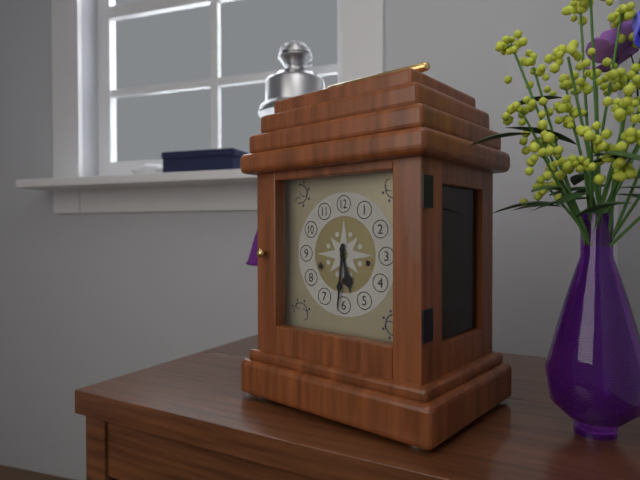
5:31
